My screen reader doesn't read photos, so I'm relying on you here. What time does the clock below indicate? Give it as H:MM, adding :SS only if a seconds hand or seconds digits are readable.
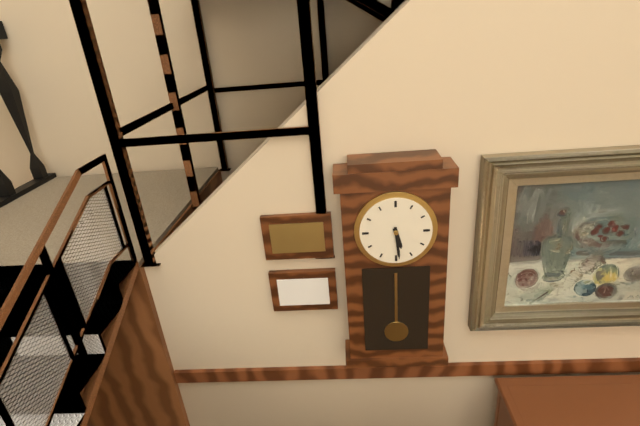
5:29
